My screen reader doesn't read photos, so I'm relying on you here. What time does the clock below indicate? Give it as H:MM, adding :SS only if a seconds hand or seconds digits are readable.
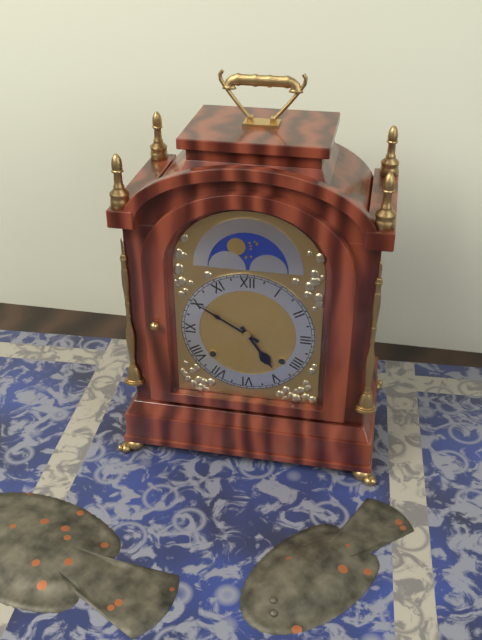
4:50
